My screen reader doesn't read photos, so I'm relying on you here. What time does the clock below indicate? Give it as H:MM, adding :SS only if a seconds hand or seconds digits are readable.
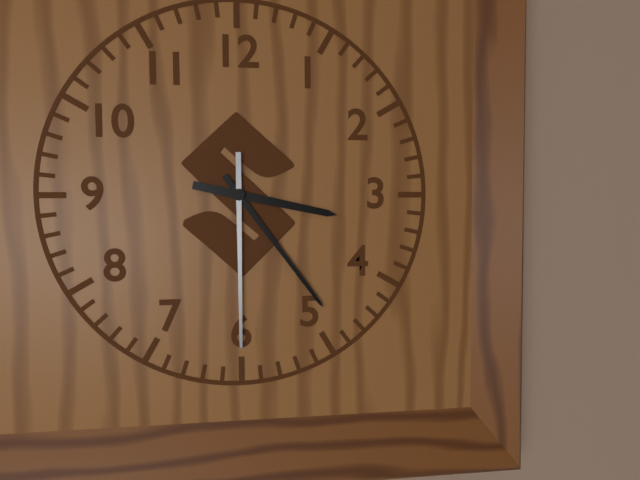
3:24:30
